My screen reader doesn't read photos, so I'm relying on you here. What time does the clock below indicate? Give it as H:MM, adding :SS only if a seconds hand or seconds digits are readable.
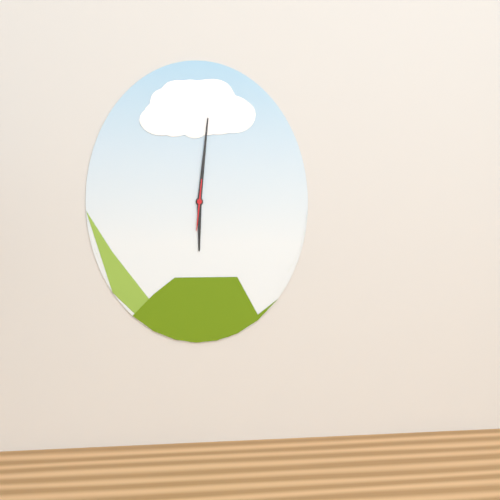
6:01
